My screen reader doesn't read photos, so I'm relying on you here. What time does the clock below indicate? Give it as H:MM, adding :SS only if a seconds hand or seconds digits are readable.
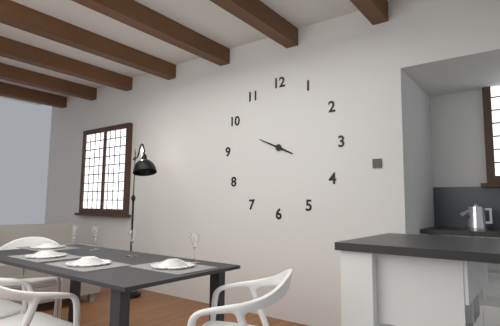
3:49
